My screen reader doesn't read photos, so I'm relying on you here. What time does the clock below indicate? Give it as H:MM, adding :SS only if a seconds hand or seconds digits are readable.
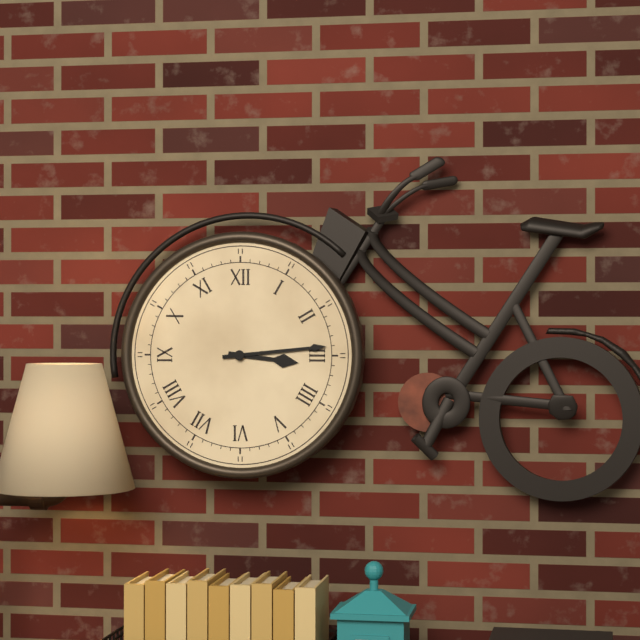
3:14
